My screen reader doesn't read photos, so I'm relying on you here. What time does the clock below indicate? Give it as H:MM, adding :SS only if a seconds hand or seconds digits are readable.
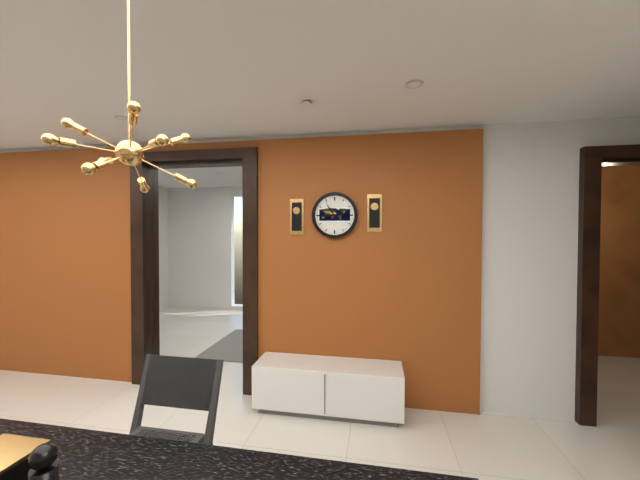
8:54
